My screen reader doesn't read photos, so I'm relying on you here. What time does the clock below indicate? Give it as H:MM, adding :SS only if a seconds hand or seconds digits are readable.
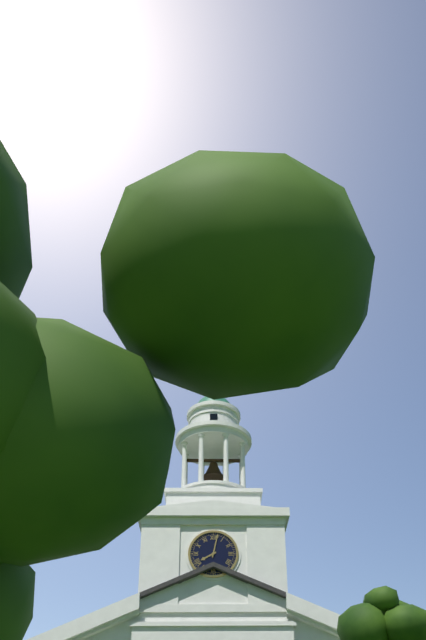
8:02
